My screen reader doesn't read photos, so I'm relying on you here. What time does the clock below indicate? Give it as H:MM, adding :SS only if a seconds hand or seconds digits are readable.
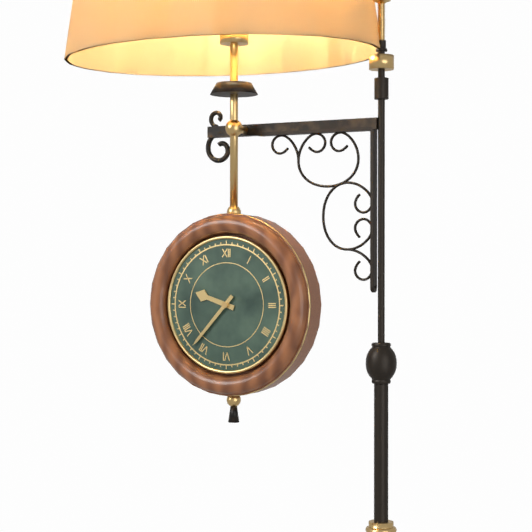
9:37
